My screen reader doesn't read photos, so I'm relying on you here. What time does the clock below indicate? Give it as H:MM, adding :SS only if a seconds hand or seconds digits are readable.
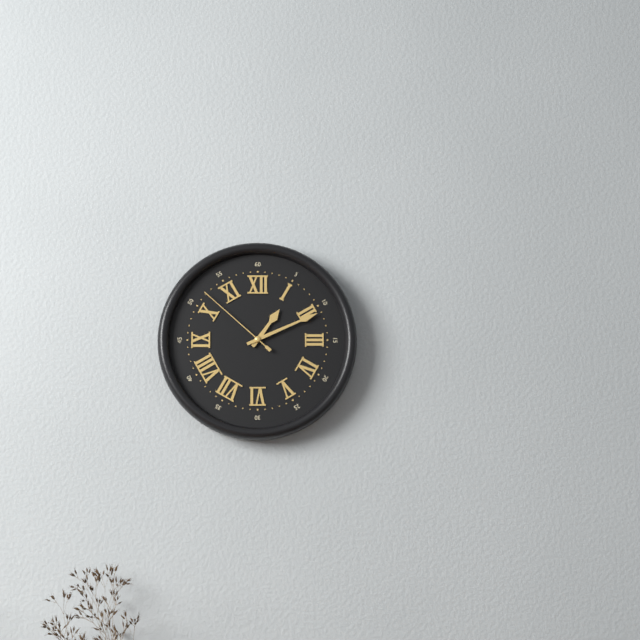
1:11:52
